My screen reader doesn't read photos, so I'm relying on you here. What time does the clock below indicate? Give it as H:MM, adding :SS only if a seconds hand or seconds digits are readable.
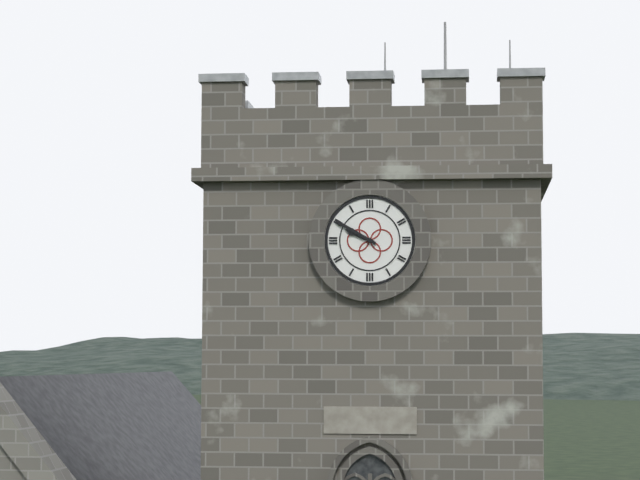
9:50
